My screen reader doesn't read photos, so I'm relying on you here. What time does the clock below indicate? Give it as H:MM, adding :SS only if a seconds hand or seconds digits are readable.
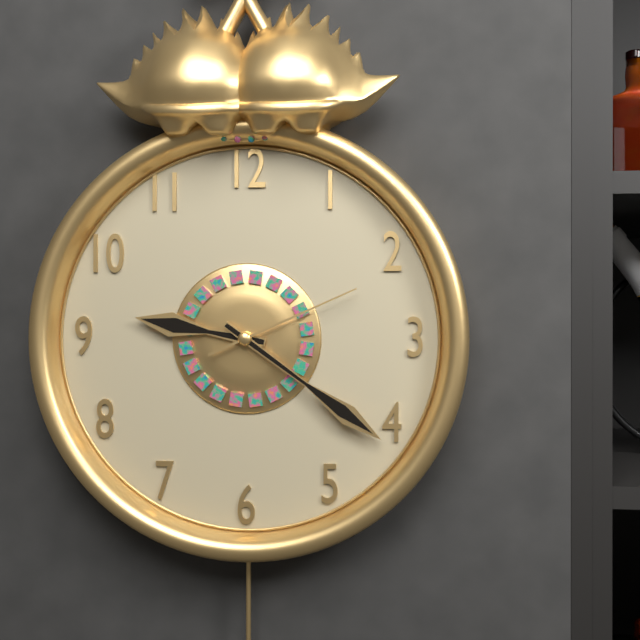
9:21:11
